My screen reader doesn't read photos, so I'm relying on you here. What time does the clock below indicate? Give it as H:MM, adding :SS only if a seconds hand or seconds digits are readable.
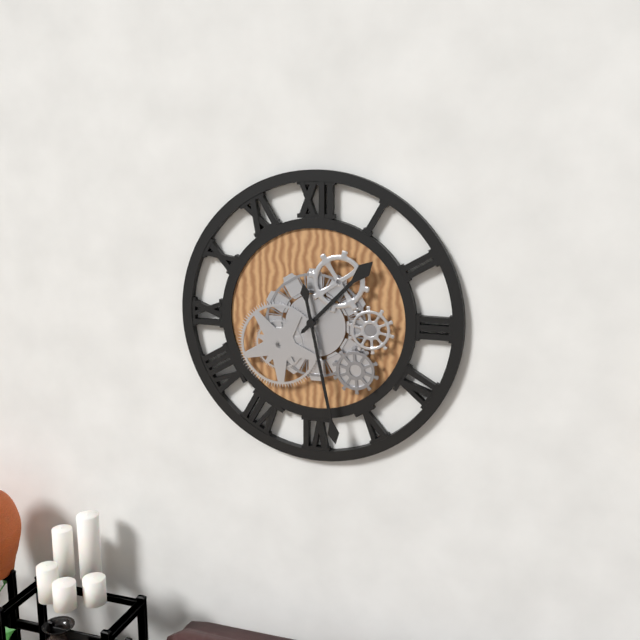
1:28
